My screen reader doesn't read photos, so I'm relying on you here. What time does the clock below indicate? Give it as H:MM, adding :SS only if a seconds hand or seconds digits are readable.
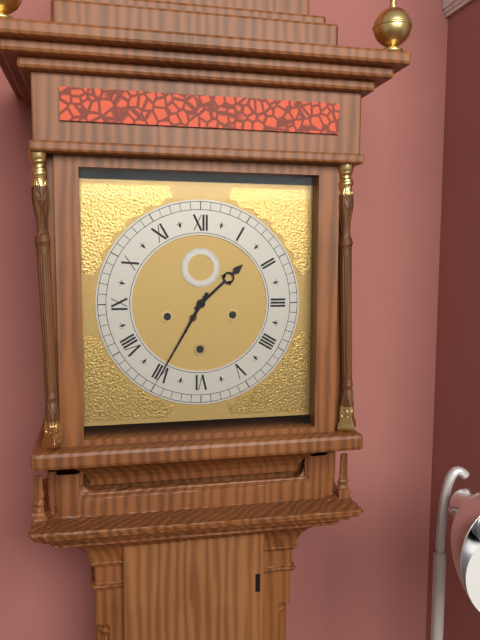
1:35
